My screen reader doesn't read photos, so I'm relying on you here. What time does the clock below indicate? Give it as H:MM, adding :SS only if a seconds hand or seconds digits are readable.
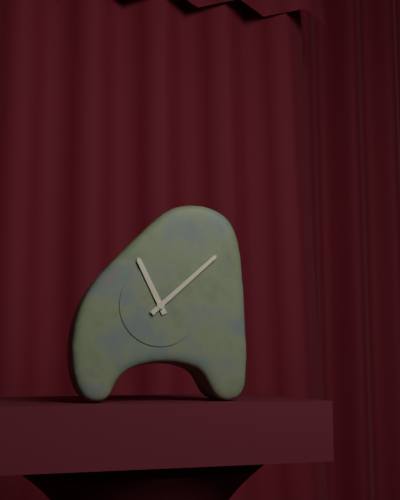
11:08
